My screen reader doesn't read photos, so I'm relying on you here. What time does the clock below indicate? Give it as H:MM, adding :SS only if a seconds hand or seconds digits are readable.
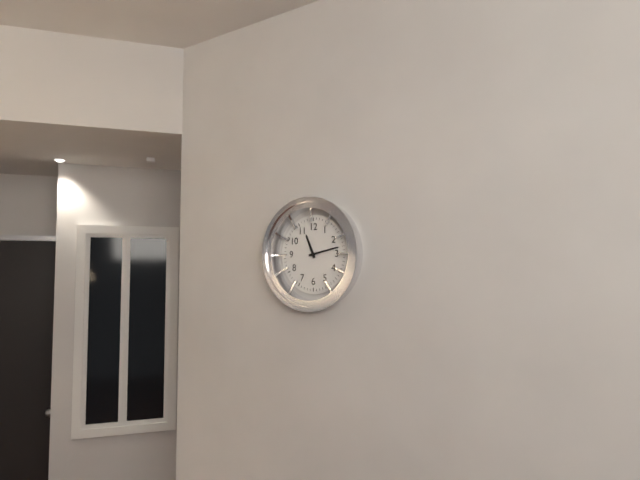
11:13
